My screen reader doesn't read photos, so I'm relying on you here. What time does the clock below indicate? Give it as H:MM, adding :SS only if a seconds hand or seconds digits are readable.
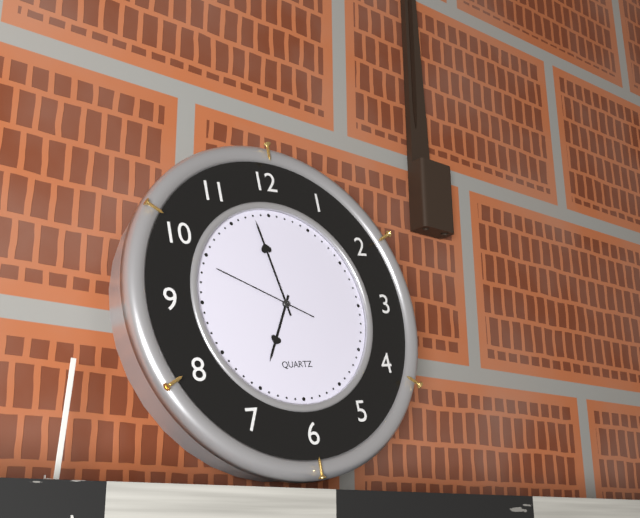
6:58:49
